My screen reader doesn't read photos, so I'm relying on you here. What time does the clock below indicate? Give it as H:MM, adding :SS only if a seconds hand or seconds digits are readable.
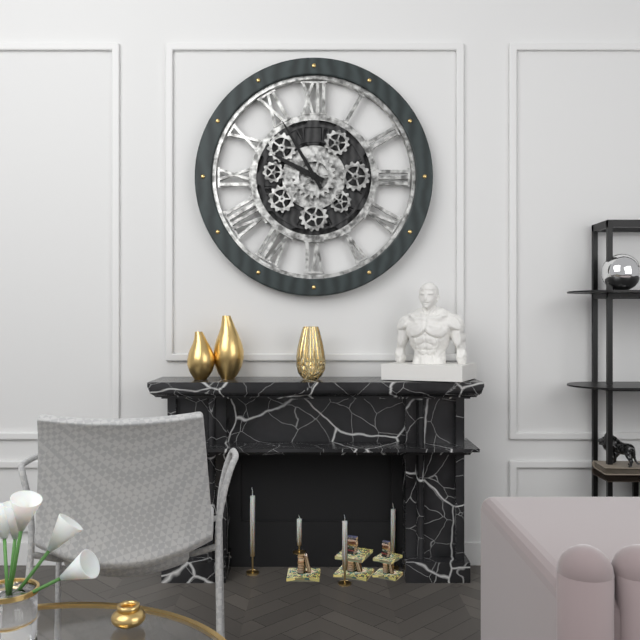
9:55
